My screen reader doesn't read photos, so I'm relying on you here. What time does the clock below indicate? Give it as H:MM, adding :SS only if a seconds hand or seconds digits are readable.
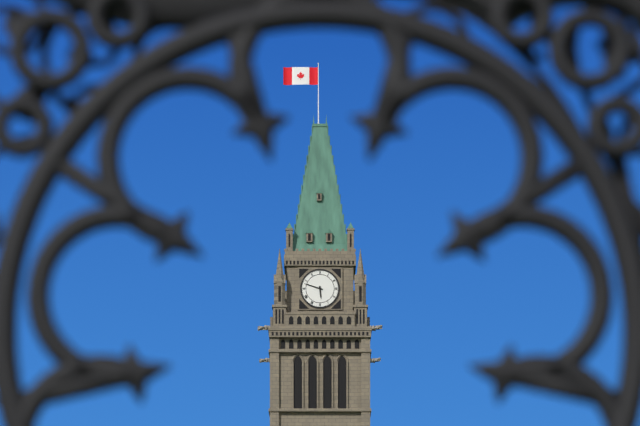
5:48
